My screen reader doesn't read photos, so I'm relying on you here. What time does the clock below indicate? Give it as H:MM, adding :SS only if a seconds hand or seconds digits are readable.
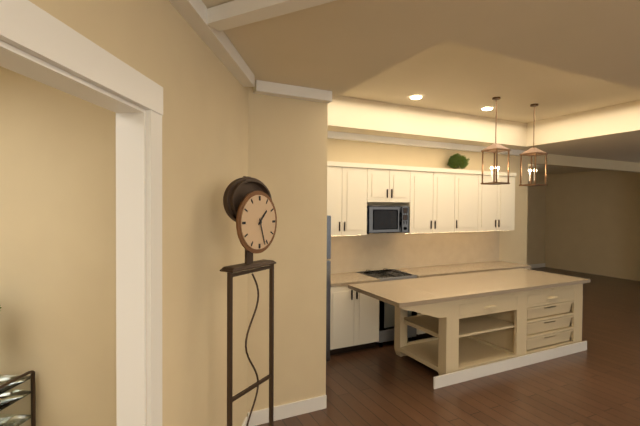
1:27
